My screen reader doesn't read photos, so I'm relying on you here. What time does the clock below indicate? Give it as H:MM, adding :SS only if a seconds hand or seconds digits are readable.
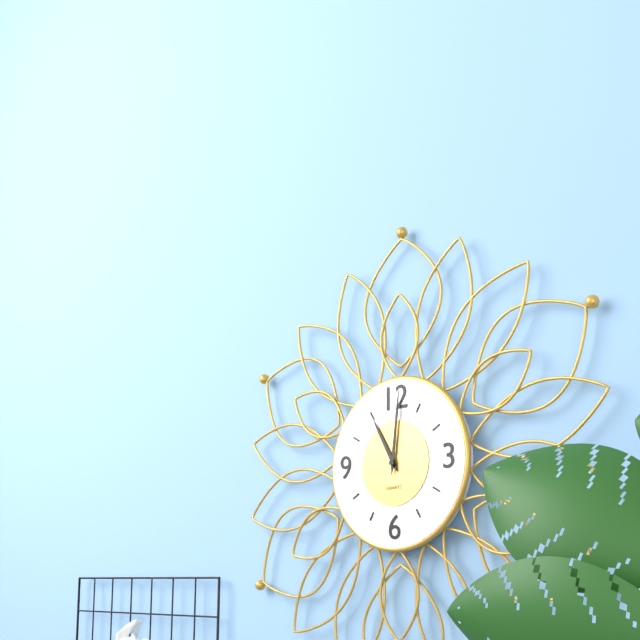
11:01
